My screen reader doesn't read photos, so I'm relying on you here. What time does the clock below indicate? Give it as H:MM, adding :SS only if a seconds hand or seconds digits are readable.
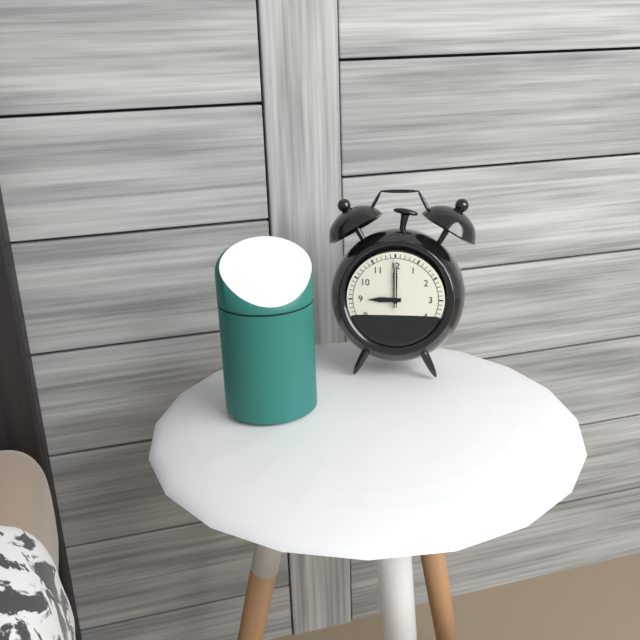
9:00:00
